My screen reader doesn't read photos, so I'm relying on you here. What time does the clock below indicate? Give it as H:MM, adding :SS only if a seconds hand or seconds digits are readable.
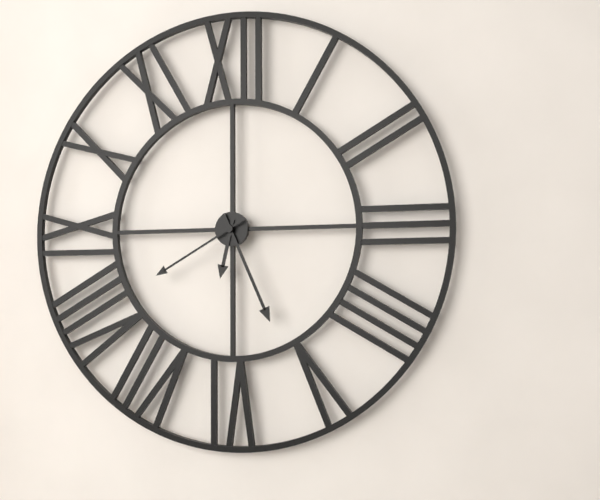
6:26:40
